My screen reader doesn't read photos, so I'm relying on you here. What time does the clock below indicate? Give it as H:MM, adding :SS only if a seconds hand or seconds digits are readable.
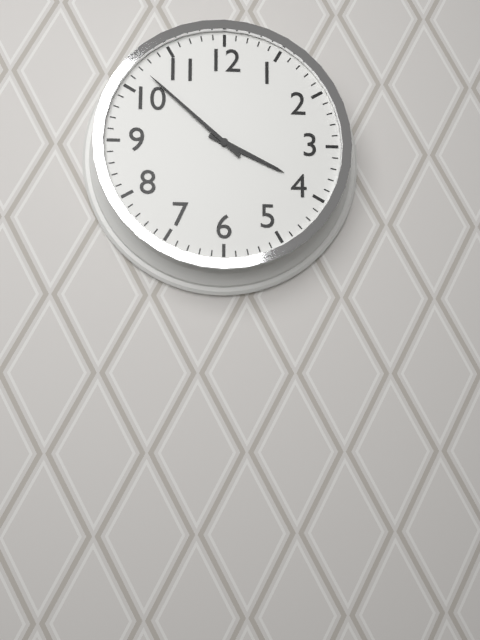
3:52
